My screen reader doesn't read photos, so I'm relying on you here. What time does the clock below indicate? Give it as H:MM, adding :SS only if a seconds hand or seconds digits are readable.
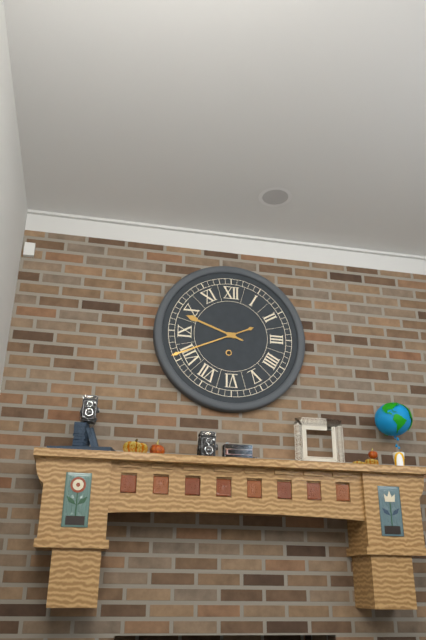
9:41
